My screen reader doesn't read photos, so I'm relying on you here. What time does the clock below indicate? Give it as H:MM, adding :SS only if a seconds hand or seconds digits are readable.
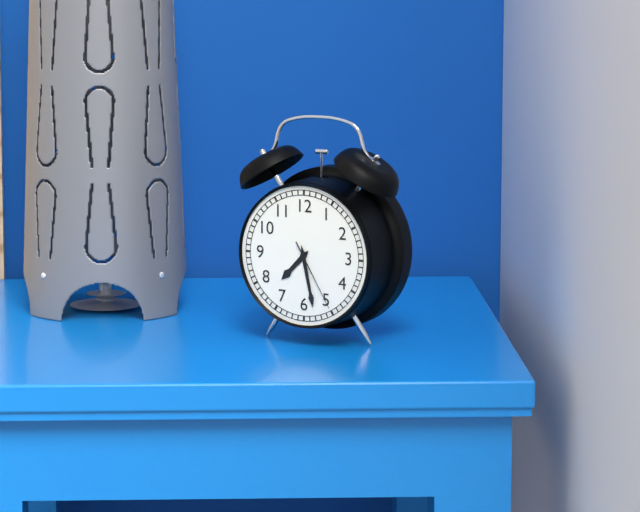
7:28:25
